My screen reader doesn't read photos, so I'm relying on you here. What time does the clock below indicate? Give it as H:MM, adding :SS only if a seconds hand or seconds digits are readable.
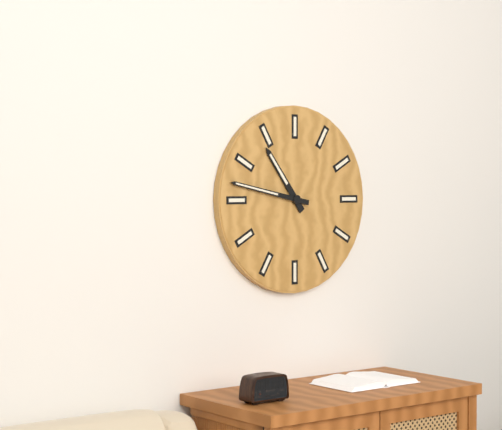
10:47
